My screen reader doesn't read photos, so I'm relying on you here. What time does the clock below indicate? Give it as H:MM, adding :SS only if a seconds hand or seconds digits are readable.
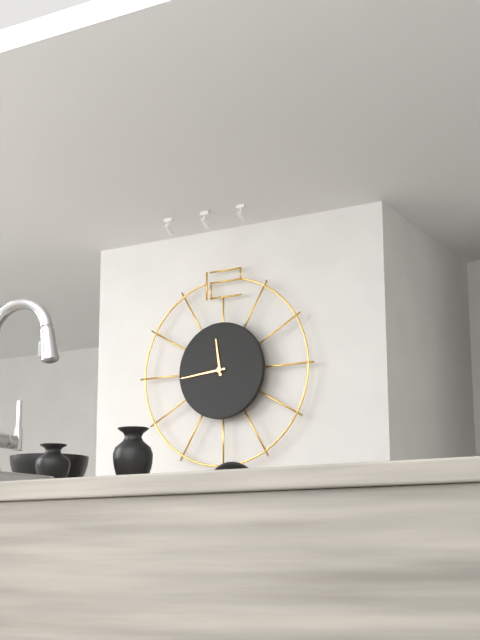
11:44
